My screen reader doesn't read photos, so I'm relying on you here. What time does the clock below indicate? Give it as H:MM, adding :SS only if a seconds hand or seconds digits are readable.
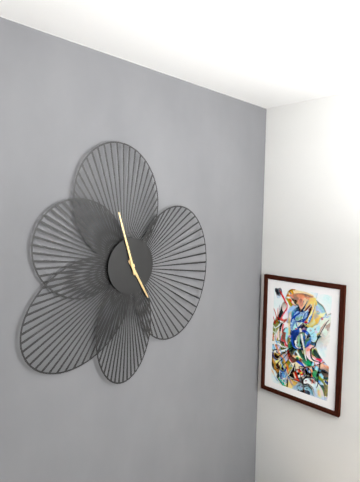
4:57
